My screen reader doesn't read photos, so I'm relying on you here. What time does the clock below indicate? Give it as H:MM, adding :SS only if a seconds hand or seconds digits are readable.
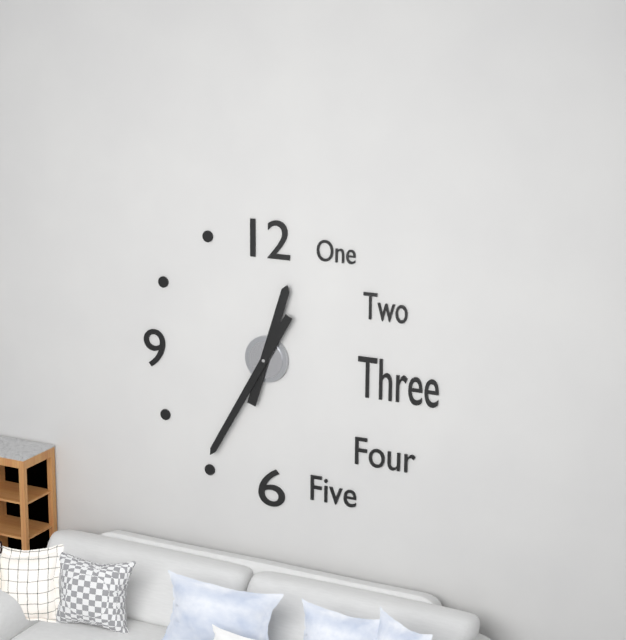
12:35
